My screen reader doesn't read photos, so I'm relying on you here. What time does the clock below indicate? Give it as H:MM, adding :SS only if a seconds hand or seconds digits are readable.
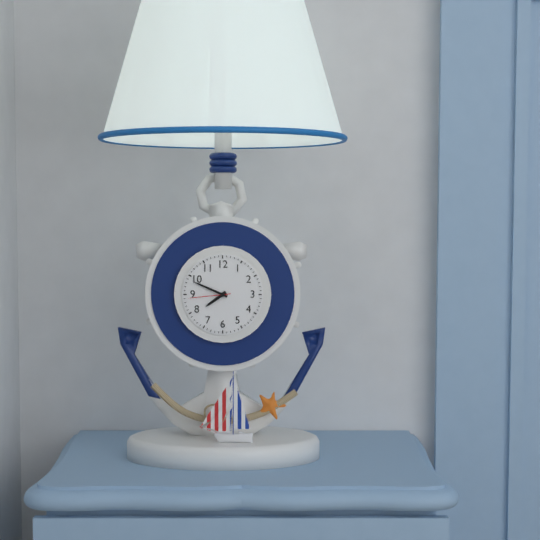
7:49
